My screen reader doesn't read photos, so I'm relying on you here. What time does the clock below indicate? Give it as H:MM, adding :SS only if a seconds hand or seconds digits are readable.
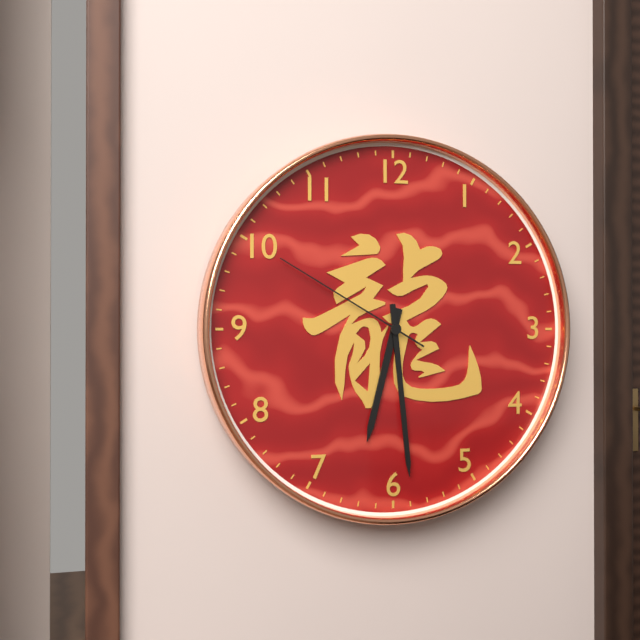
6:29:50
